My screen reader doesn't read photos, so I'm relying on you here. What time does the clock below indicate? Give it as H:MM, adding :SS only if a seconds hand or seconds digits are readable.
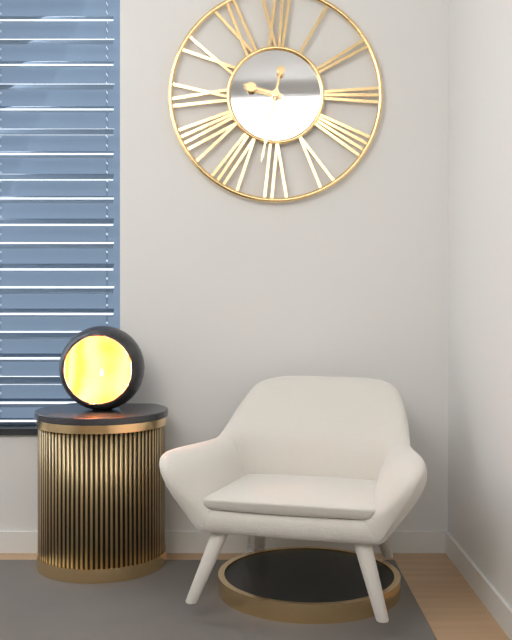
9:32
